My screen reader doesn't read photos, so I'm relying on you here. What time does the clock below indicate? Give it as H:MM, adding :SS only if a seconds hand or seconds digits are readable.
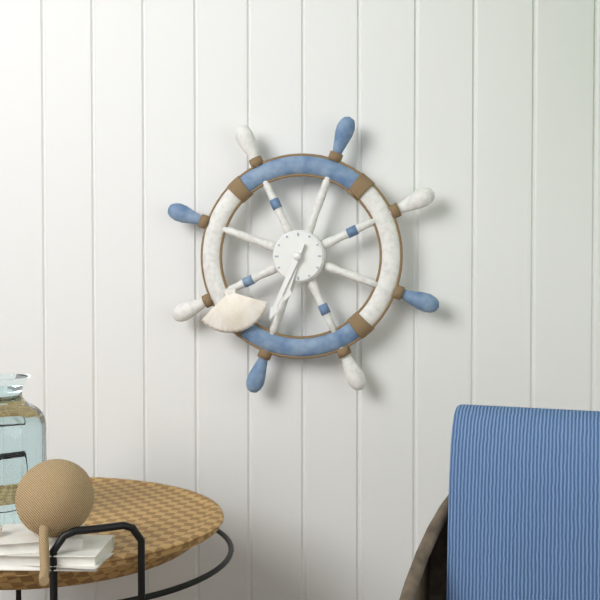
6:34
